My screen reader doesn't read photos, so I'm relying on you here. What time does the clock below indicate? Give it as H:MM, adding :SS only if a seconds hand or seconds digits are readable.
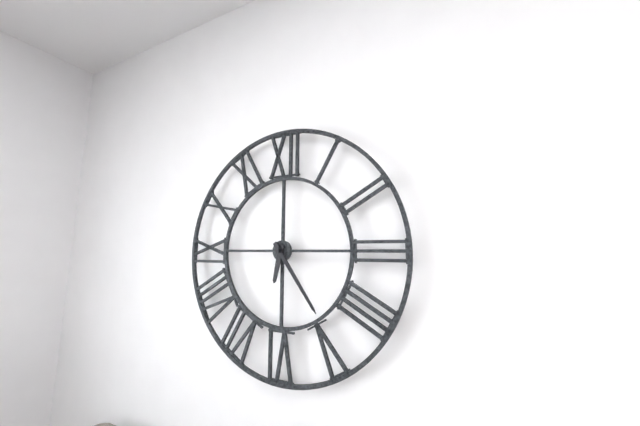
6:24
